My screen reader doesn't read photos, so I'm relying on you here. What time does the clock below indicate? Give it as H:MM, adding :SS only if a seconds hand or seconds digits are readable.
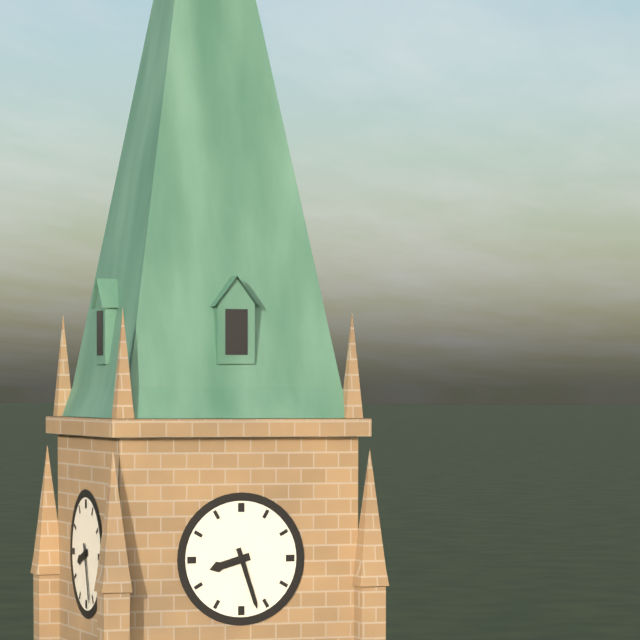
8:27
